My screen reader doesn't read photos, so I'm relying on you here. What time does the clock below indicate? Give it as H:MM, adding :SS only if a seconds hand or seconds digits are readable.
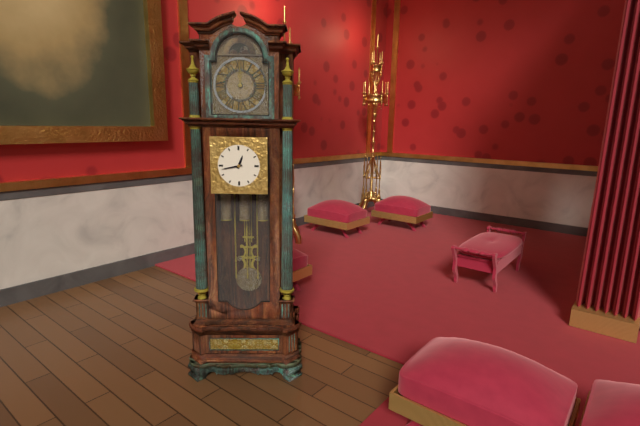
12:43
